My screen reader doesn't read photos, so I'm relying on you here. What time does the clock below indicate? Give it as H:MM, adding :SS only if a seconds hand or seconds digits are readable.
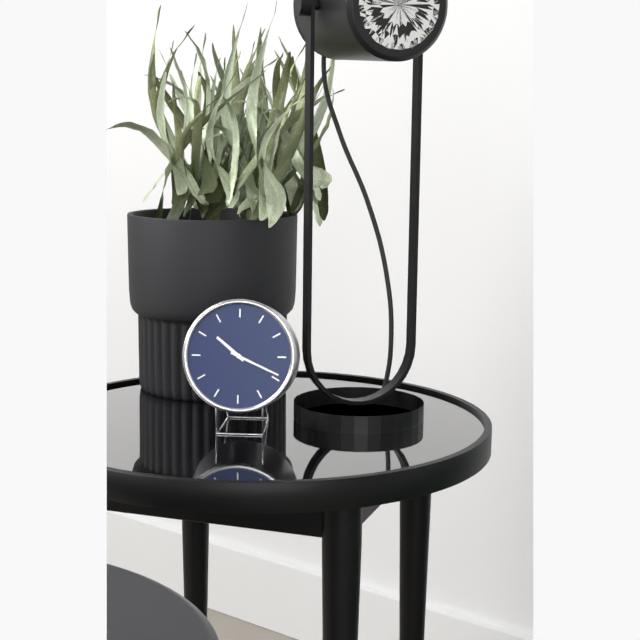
10:19
